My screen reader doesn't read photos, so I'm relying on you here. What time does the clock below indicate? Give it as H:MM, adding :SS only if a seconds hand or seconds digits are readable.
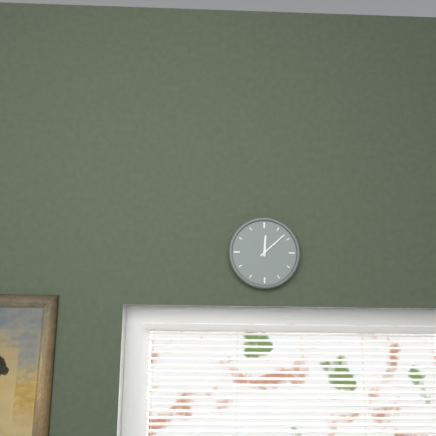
12:08
